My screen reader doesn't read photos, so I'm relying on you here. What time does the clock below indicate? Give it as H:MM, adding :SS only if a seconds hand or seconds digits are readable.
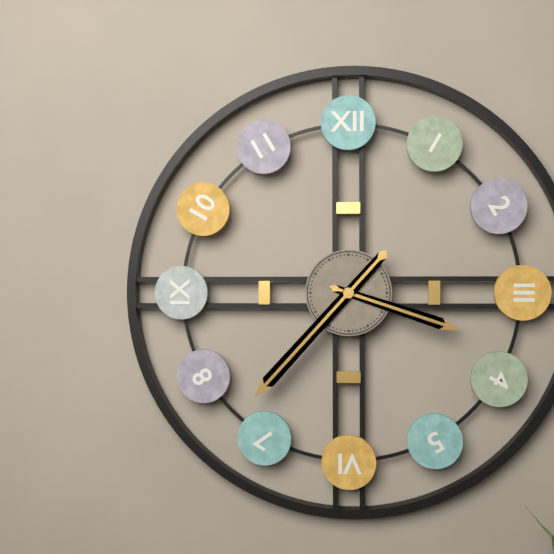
3:37
